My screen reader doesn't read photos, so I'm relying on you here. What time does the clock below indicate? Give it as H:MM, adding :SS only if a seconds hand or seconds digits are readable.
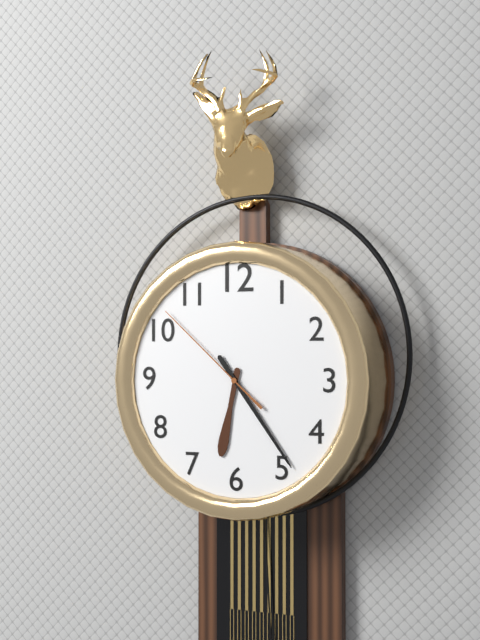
6:24:52
